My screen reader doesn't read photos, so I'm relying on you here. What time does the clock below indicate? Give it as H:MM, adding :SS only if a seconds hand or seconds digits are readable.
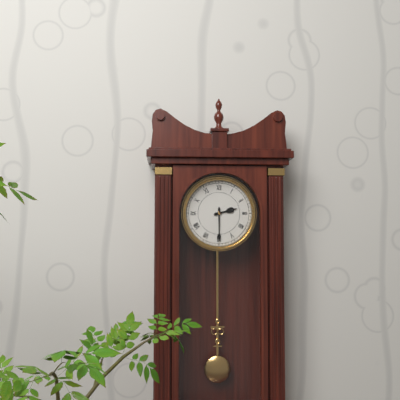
2:30
